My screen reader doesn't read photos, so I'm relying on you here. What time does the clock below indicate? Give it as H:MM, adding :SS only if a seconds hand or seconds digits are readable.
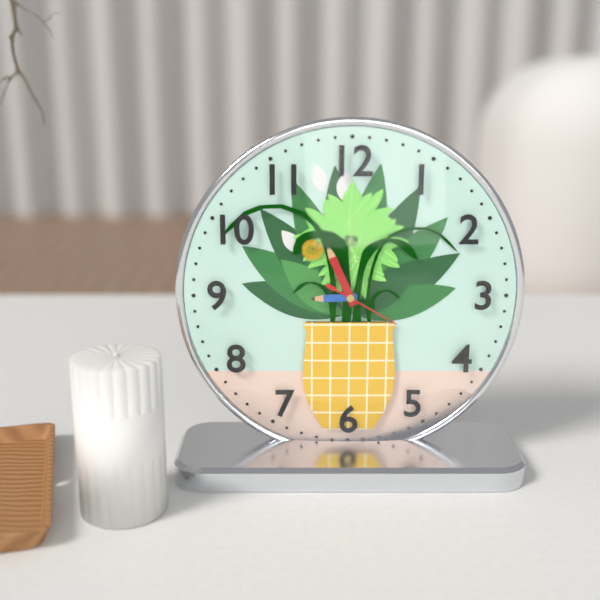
8:56:20
